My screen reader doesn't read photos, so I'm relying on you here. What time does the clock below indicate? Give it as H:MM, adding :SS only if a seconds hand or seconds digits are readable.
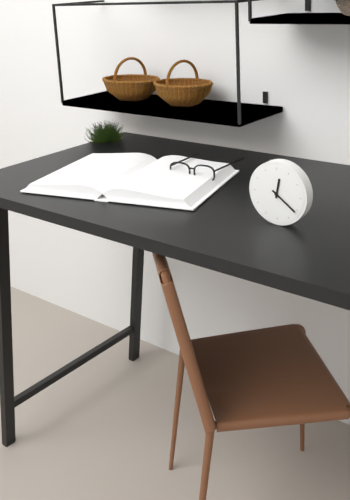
12:21
